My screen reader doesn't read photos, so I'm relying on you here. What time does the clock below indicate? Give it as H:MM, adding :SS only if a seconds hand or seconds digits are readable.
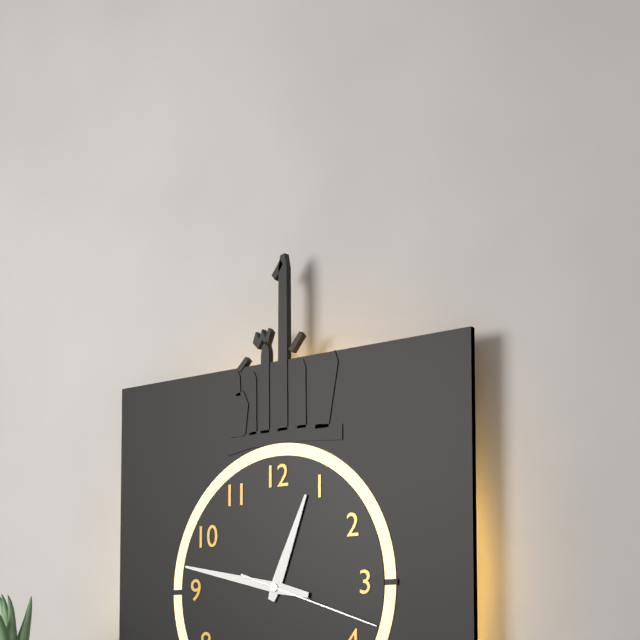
12:47:18
